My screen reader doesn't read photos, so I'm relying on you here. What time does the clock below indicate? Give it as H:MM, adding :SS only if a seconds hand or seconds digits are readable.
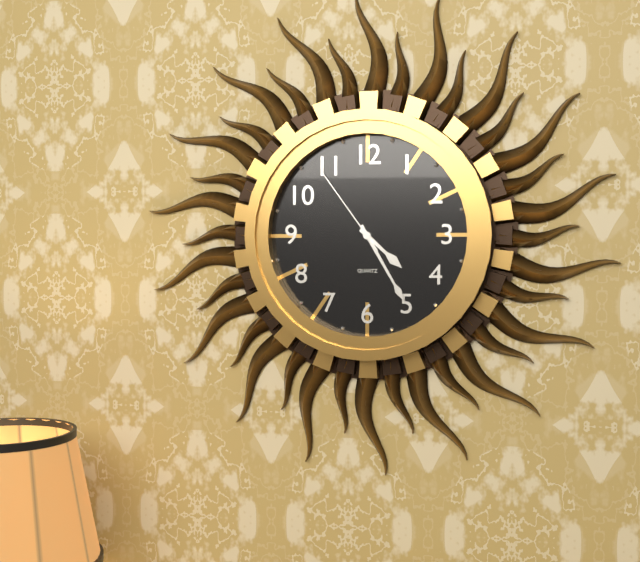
4:25:54
